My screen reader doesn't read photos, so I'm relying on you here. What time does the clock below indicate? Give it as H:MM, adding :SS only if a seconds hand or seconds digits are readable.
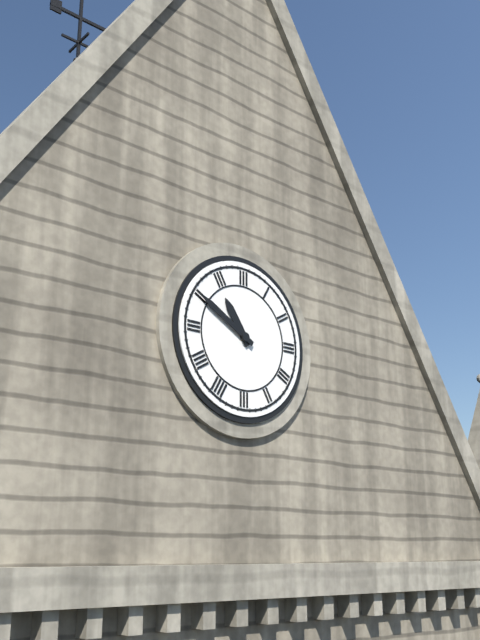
10:50
